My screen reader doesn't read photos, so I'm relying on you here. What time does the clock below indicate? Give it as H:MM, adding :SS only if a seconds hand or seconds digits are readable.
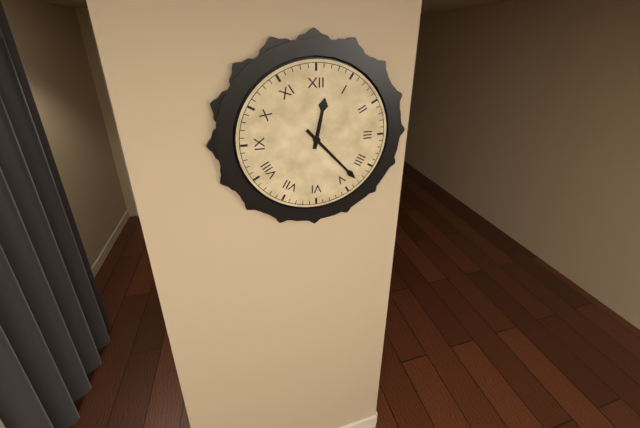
12:23
